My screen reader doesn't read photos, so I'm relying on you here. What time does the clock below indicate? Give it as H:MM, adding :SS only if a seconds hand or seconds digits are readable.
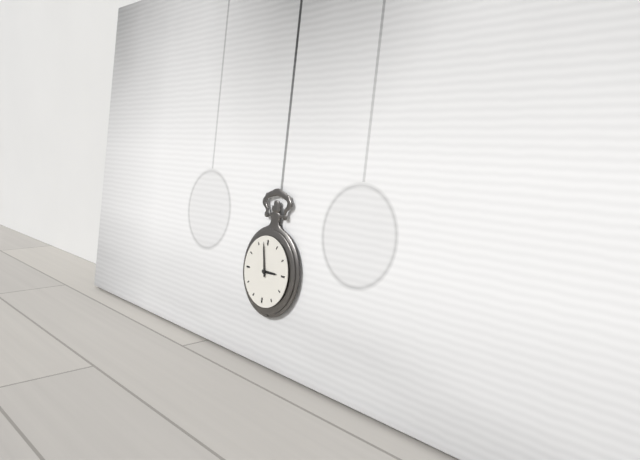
2:58
